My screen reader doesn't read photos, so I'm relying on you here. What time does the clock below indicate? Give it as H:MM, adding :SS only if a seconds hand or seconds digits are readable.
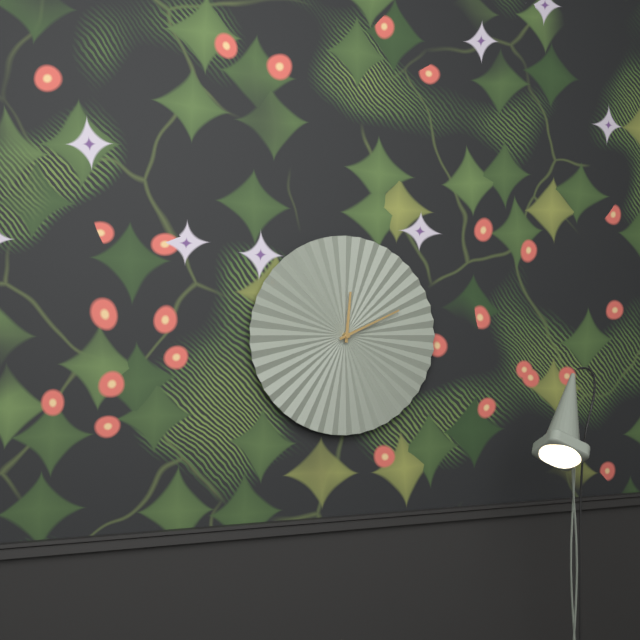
12:11
